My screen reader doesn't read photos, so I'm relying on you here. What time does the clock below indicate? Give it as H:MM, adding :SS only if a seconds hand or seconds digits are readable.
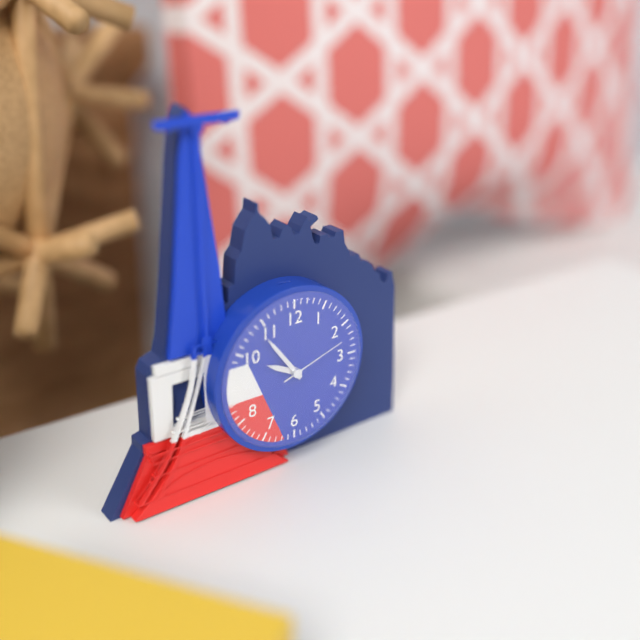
9:54:12
